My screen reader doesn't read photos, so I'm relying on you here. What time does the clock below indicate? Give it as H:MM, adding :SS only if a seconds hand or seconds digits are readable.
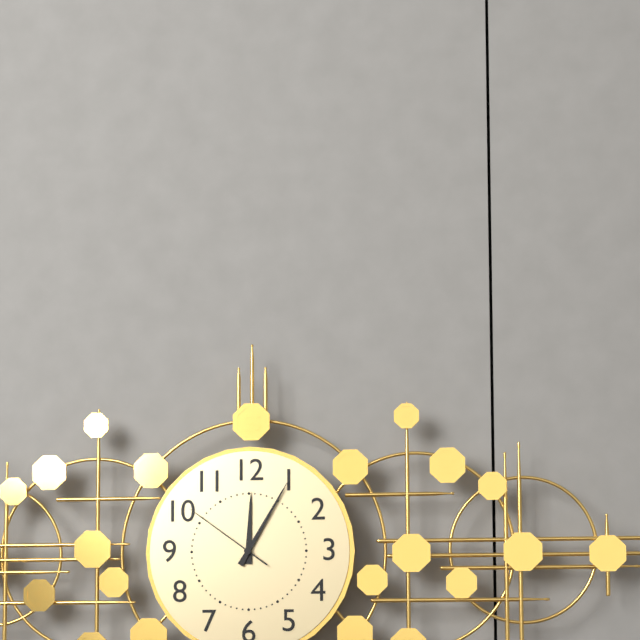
12:05:51
